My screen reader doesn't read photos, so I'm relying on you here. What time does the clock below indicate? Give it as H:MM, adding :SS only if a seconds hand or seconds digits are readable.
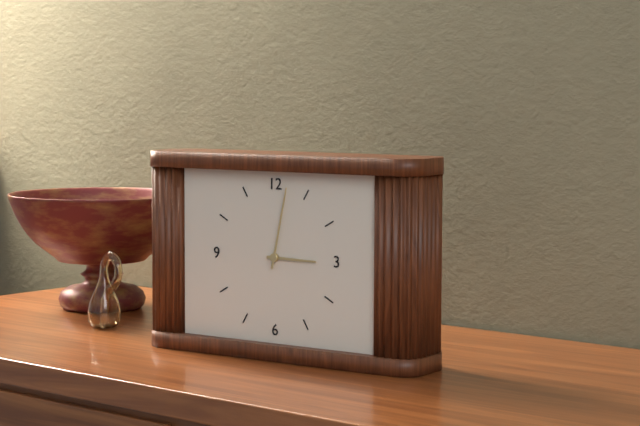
3:02
